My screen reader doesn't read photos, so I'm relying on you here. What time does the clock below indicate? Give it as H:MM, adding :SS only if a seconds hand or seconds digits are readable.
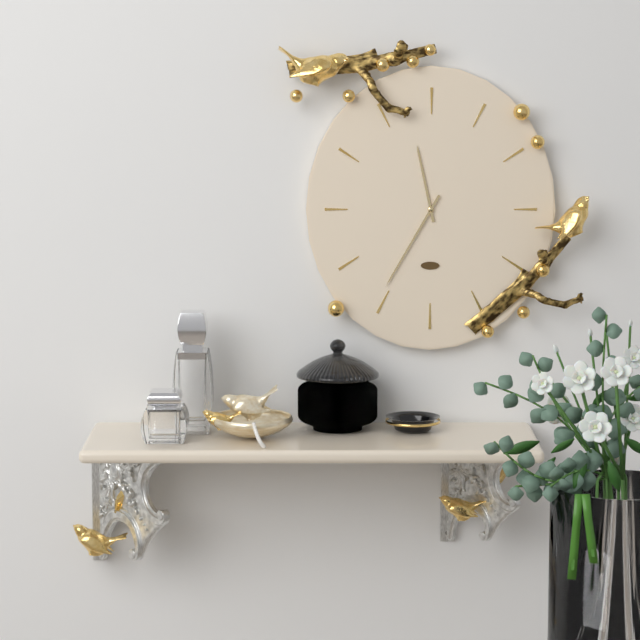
11:35
